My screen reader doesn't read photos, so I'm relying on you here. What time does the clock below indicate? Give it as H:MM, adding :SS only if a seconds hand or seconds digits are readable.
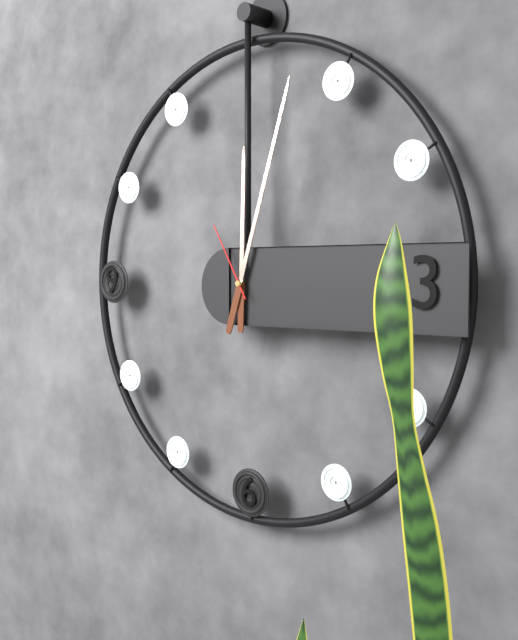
12:03:55
